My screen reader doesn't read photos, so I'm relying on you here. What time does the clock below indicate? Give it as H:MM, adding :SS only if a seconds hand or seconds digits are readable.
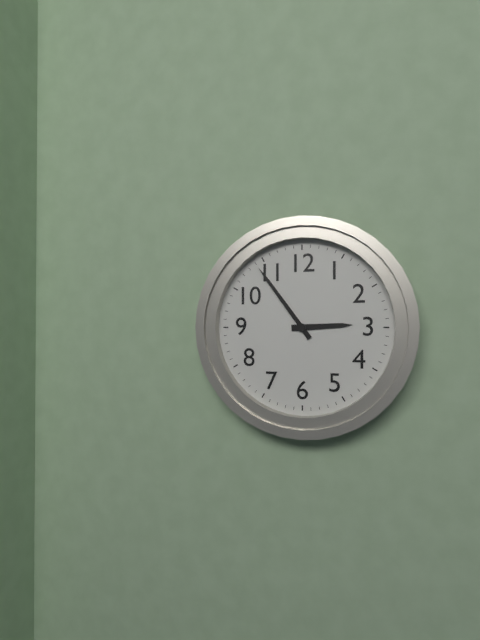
2:54
